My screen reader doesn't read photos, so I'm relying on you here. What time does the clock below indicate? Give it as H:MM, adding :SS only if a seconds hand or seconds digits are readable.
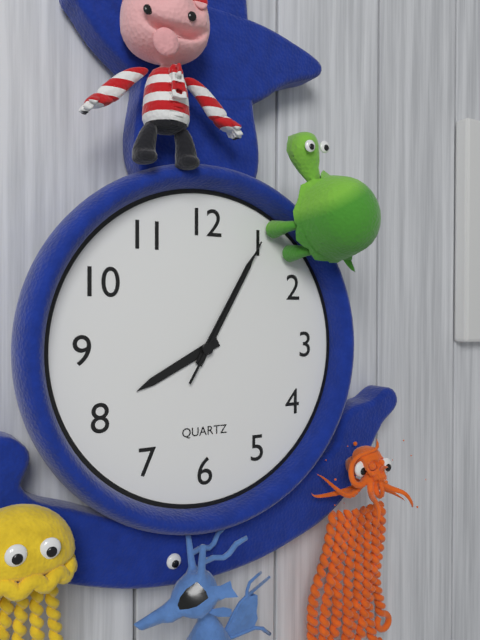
8:05:05
